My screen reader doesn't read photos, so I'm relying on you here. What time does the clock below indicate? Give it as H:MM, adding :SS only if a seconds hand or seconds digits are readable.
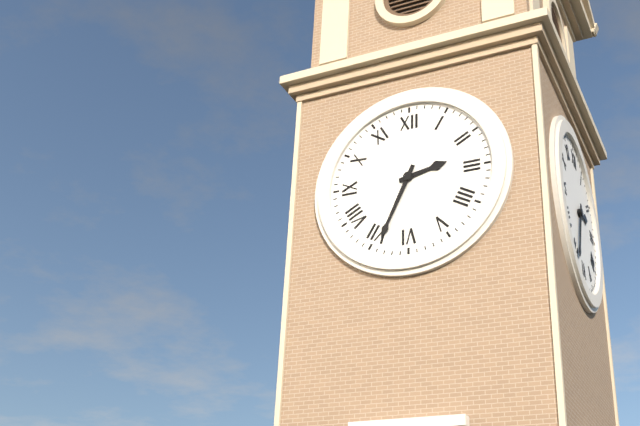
2:34
